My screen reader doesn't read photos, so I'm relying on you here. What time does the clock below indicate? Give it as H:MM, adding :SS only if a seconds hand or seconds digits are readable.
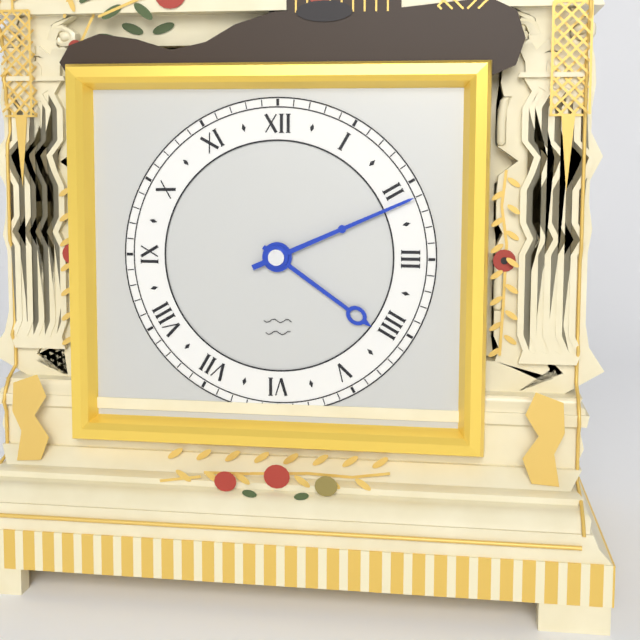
4:11
